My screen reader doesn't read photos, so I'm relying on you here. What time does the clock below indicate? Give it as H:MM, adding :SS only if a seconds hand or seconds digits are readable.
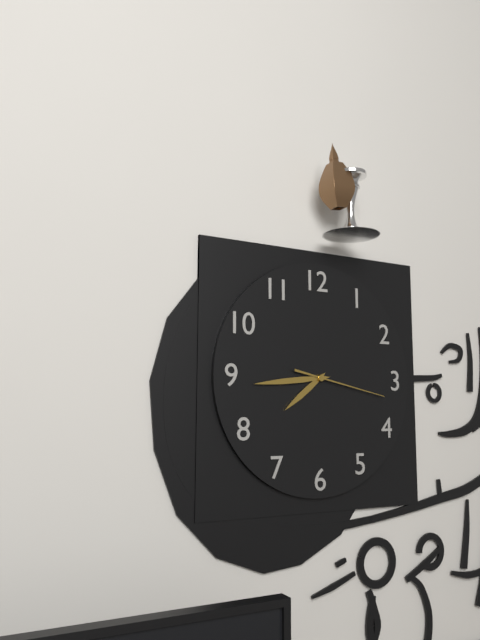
7:44:17
